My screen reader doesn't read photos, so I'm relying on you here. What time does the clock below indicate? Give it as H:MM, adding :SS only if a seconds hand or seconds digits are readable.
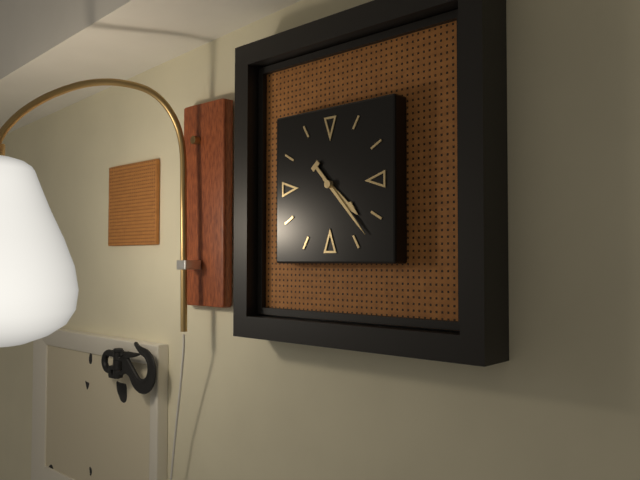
4:23
